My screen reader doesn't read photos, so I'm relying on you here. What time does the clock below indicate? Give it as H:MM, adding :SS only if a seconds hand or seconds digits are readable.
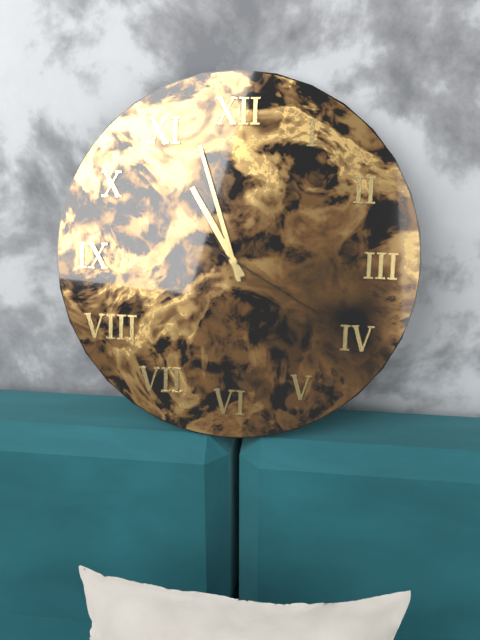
10:57:20
